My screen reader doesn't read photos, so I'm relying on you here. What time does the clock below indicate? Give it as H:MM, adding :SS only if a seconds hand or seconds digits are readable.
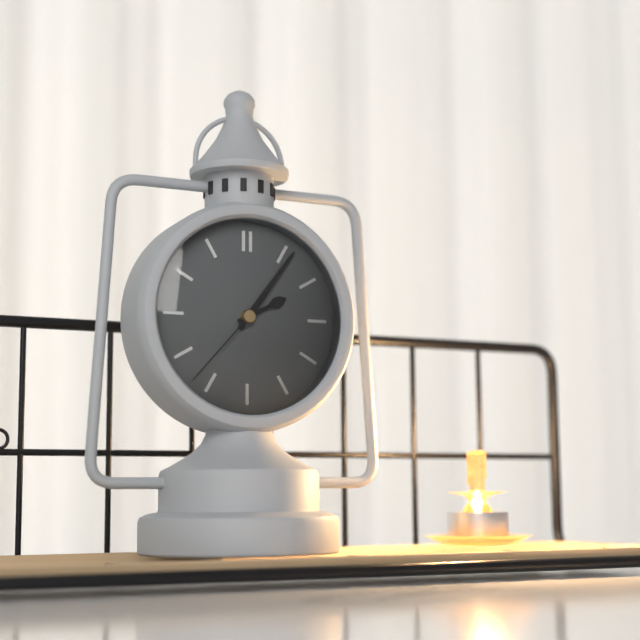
2:06:37
